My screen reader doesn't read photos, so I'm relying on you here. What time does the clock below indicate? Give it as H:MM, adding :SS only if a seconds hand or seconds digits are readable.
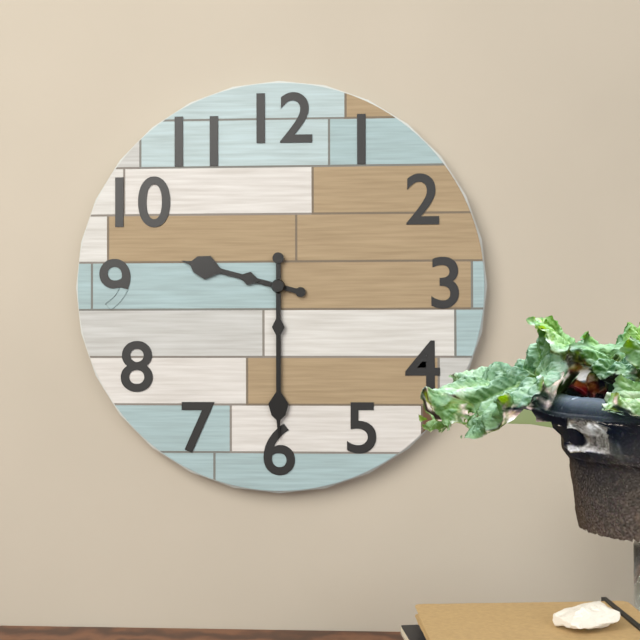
9:30
